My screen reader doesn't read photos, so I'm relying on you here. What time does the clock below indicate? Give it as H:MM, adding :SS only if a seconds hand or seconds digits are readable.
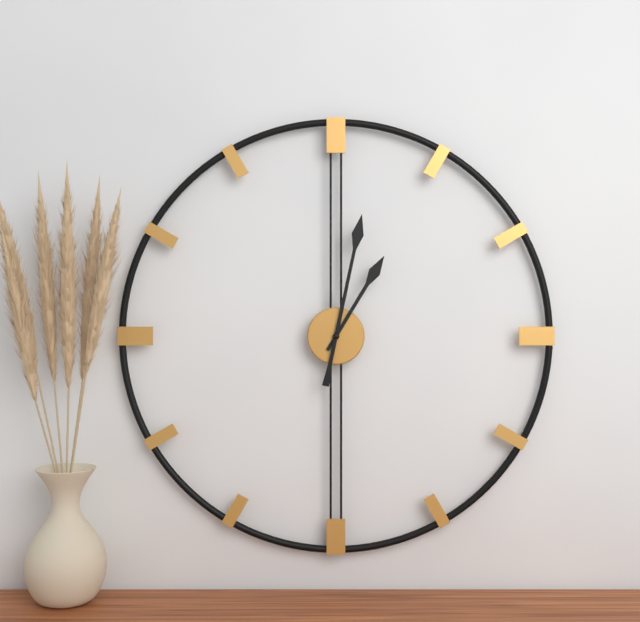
1:02
